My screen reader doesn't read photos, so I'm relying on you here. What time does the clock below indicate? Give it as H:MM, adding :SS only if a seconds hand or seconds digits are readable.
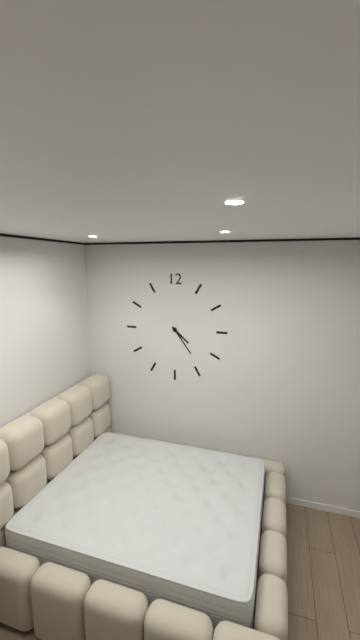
4:24
